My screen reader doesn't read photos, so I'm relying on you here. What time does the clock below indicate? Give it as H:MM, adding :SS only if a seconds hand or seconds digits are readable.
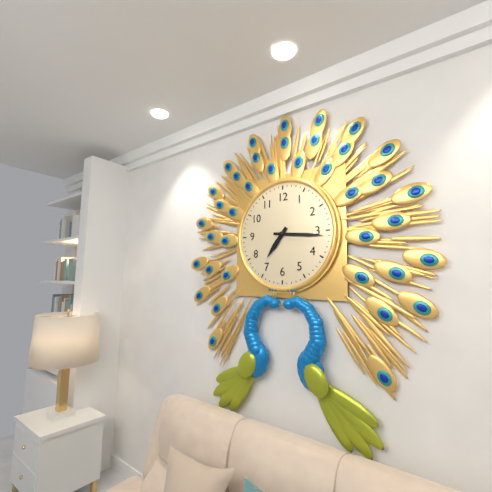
7:16
